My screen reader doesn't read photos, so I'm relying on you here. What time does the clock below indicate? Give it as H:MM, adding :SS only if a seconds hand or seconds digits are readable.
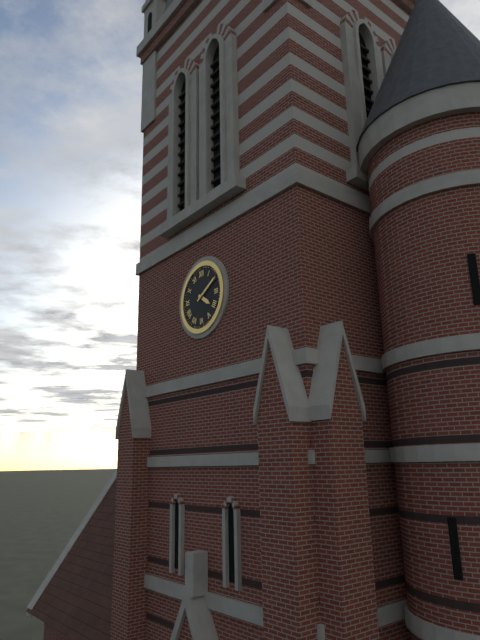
4:10
